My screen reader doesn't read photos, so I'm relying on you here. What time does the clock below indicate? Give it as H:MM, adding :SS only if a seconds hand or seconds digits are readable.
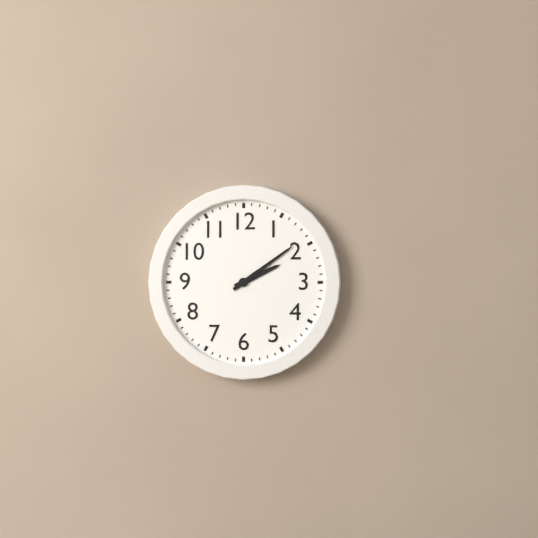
2:09
